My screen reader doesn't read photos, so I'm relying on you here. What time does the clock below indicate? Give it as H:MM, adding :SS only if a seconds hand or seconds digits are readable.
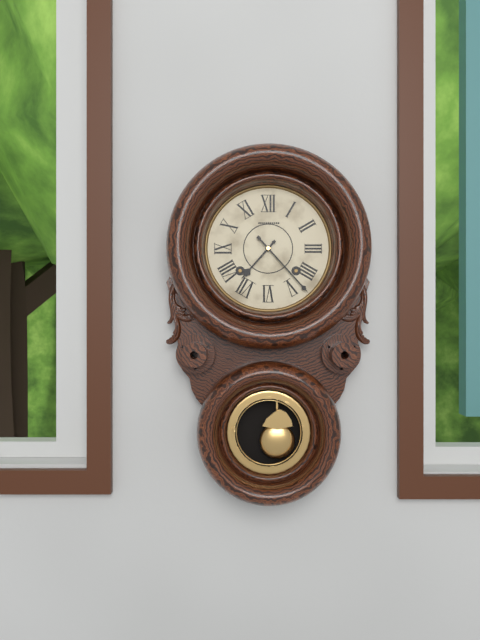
7:23
